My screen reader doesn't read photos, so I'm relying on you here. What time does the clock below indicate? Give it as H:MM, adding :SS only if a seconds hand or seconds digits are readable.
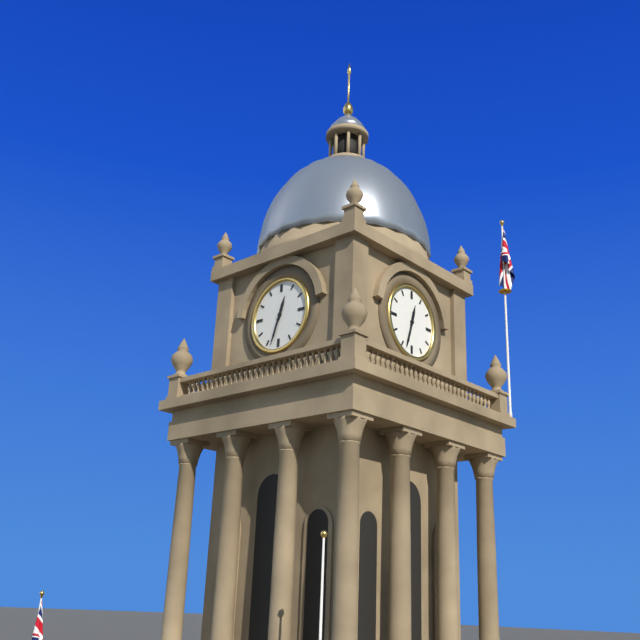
12:33
